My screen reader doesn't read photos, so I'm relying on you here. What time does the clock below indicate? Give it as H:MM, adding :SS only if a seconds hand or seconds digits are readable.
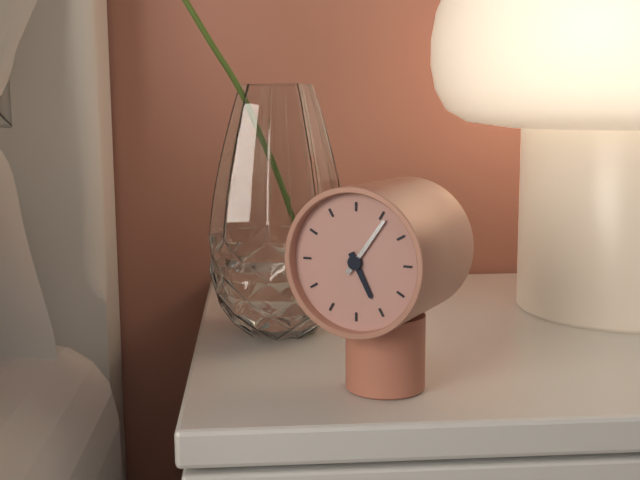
5:06
